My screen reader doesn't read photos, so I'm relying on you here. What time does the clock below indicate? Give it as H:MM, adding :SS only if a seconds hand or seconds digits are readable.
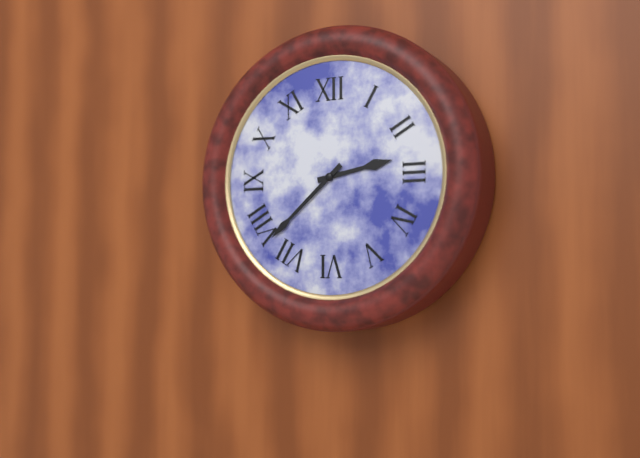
2:38
